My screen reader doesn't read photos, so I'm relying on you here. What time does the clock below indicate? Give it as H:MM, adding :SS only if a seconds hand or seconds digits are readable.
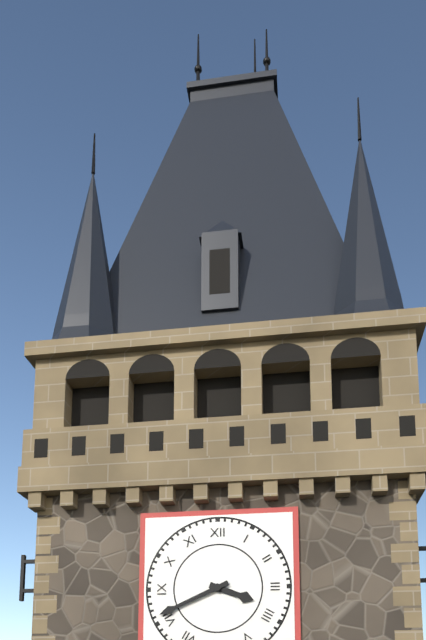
3:41
